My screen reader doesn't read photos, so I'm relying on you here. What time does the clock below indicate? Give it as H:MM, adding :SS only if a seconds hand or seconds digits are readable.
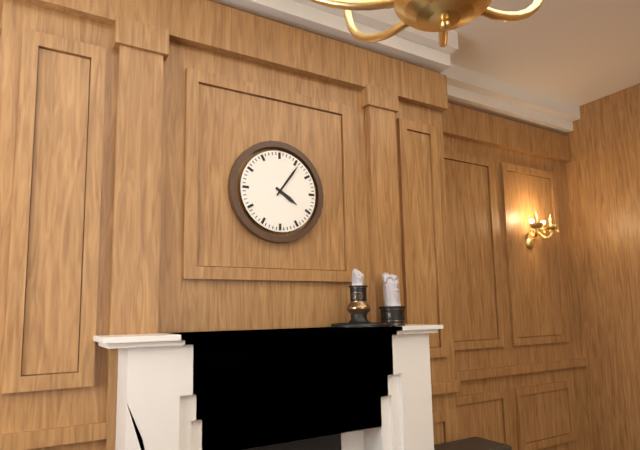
4:06
